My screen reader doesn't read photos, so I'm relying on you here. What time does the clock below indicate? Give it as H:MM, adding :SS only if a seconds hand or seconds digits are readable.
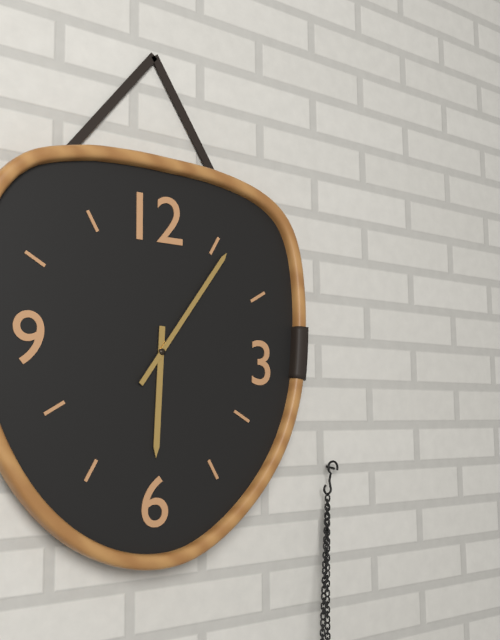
6:06
